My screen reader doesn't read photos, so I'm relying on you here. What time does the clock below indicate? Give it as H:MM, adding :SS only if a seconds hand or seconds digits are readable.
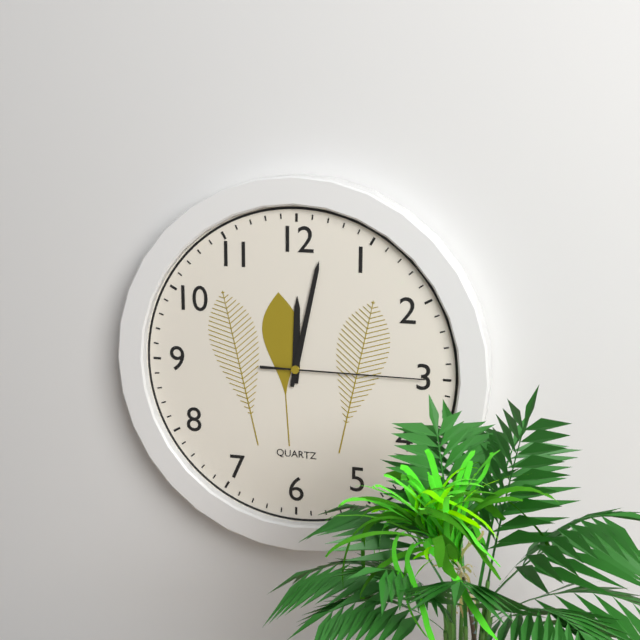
12:02:15
